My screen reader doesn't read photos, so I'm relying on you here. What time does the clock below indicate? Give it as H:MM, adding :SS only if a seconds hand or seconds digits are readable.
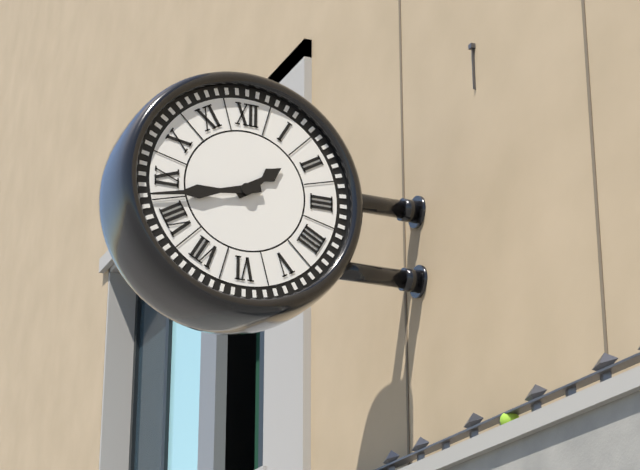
1:43
